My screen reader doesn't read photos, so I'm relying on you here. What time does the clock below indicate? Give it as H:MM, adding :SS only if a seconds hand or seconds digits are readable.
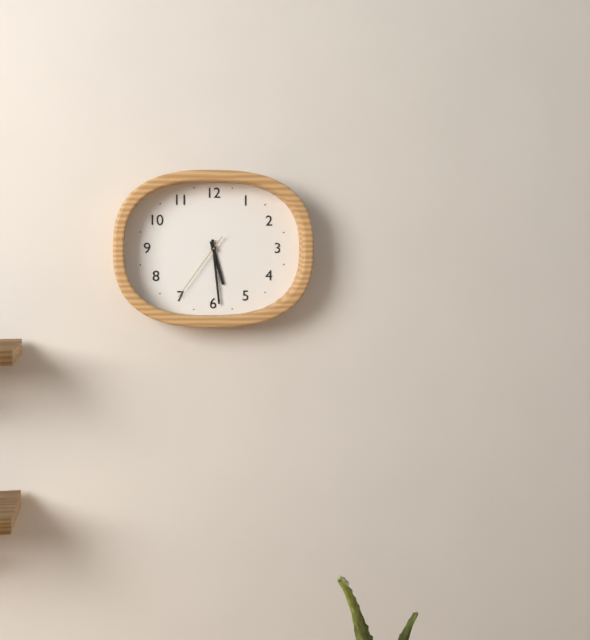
5:29:36
